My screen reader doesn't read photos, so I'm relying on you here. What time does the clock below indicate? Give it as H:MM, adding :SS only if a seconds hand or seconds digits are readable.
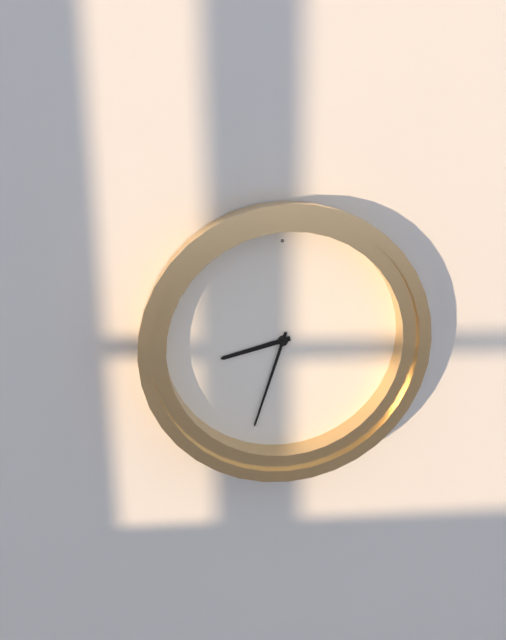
8:33
